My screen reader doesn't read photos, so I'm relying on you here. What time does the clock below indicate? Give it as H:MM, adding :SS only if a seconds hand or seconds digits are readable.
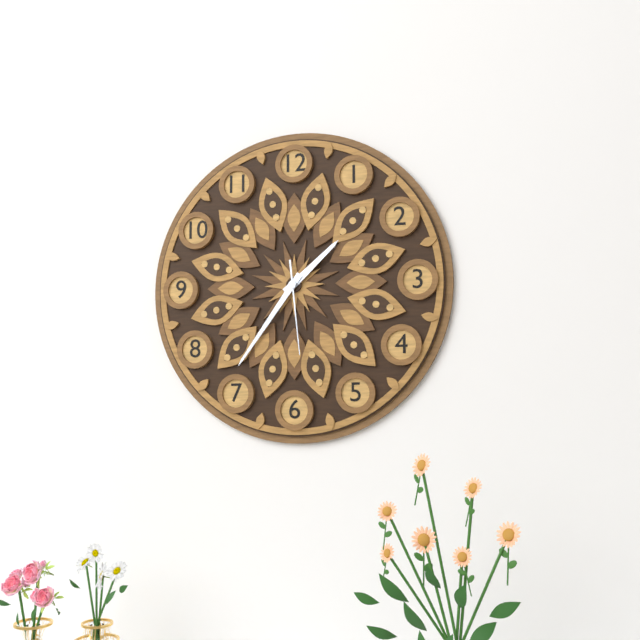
1:36:29
